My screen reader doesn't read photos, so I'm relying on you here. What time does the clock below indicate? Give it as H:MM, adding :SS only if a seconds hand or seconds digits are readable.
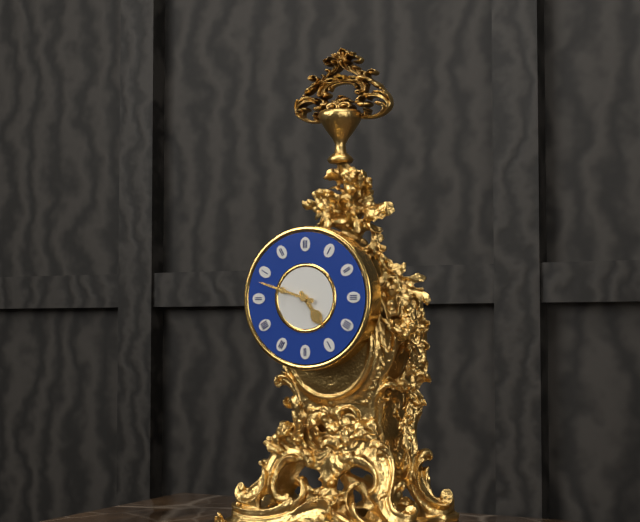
4:48
